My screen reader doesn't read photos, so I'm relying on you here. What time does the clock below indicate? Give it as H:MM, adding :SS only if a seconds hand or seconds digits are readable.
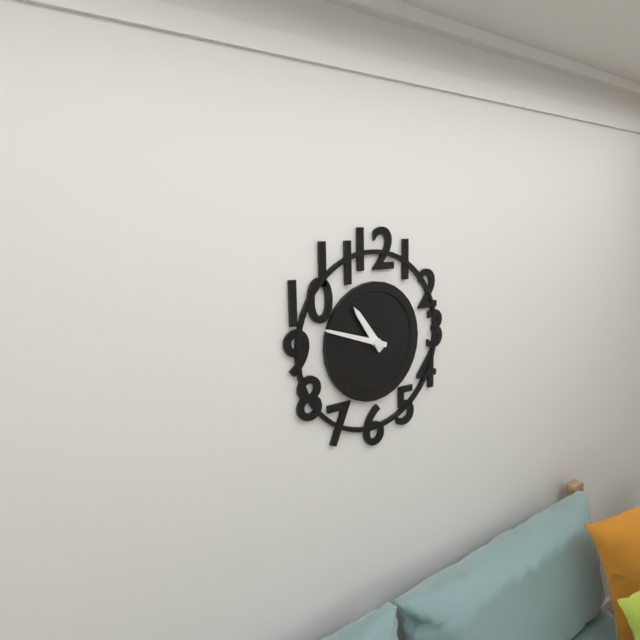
10:48
